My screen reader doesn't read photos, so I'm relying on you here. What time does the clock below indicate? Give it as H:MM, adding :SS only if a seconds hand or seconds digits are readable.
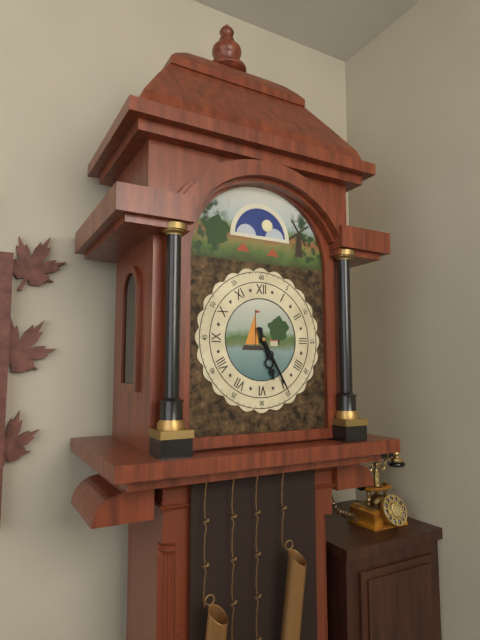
5:25
